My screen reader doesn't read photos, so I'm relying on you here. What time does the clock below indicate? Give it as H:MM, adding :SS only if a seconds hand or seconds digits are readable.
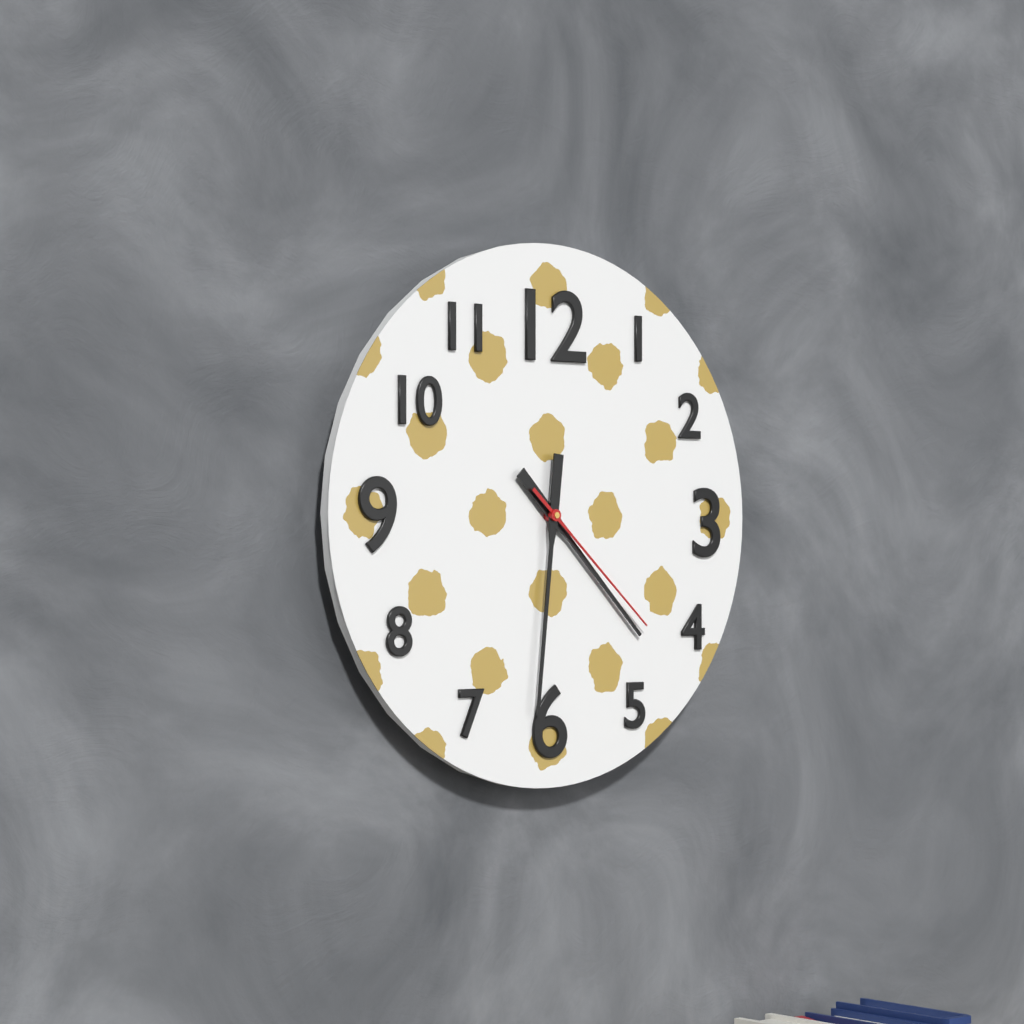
4:31:22
